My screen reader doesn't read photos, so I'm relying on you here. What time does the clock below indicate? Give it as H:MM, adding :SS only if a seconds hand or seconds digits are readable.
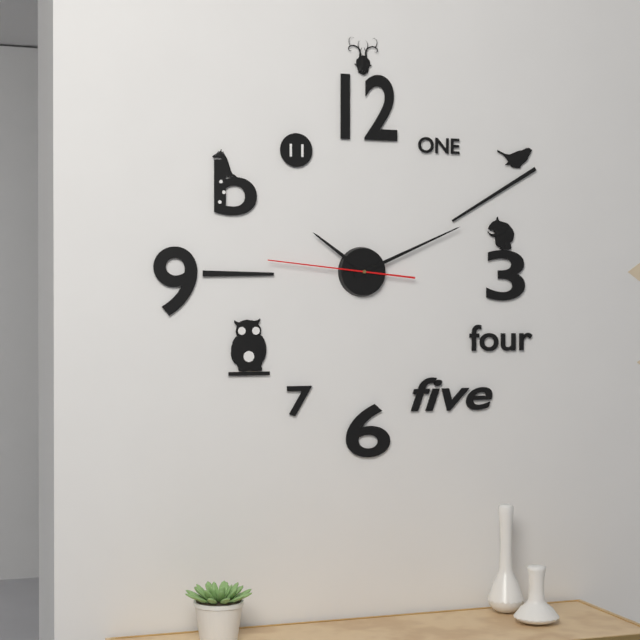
10:11:46
